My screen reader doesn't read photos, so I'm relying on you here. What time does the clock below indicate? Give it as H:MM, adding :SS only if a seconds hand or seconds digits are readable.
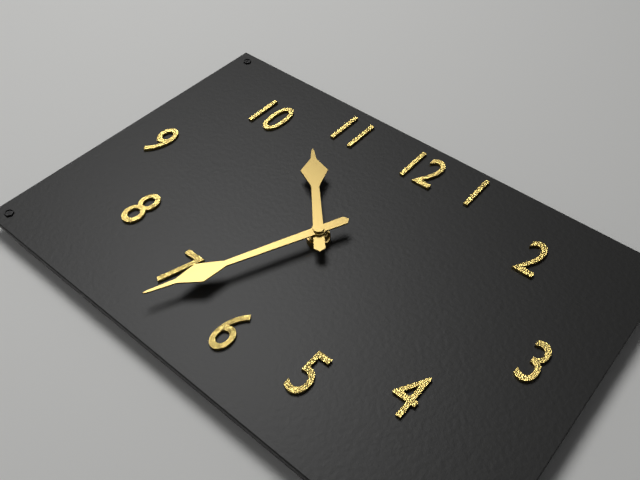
10:34
